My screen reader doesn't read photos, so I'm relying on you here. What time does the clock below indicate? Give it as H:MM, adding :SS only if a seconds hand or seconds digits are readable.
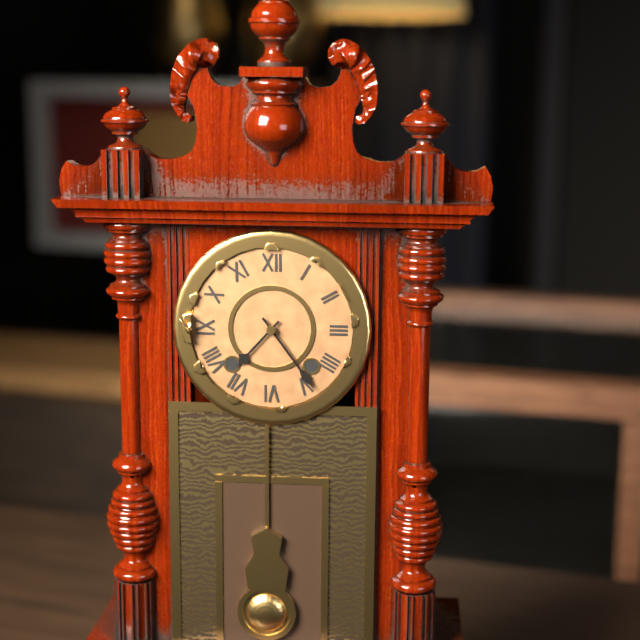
7:24
